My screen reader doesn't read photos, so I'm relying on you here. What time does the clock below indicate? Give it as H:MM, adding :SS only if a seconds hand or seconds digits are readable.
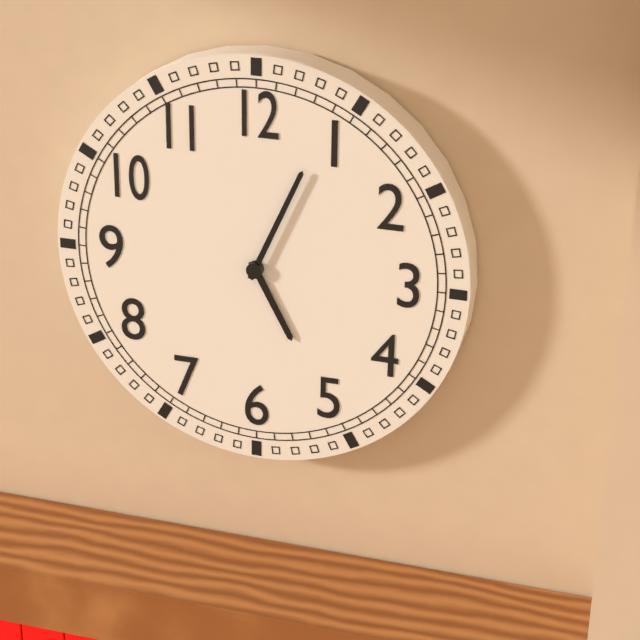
5:04
